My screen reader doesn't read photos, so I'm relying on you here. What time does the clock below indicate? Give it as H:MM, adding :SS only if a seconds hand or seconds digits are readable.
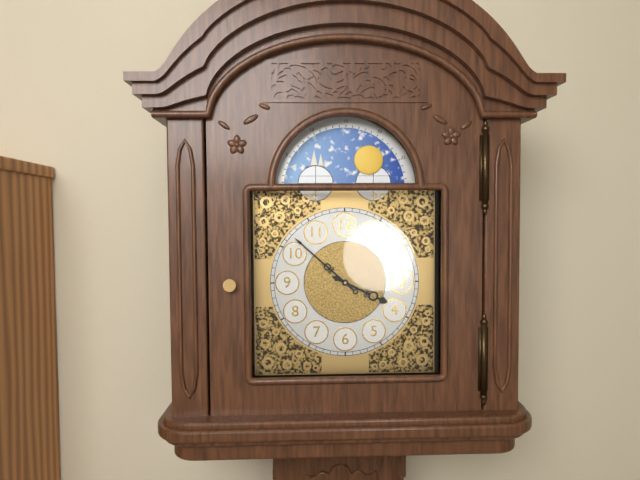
3:52
